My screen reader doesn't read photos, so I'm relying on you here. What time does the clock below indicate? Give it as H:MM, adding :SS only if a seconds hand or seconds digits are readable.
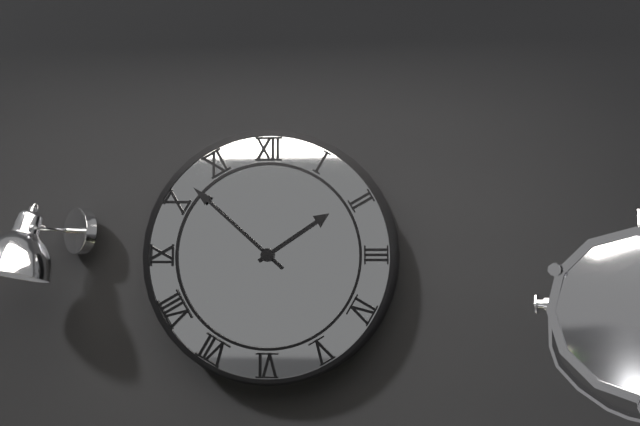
1:52
